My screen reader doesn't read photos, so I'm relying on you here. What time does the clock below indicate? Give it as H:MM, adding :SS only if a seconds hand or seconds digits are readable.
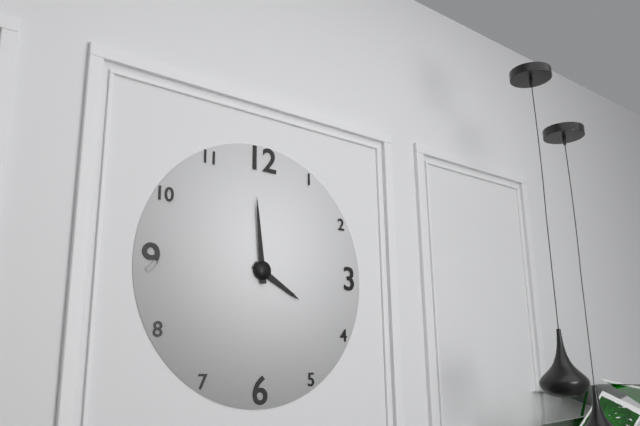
3:59
